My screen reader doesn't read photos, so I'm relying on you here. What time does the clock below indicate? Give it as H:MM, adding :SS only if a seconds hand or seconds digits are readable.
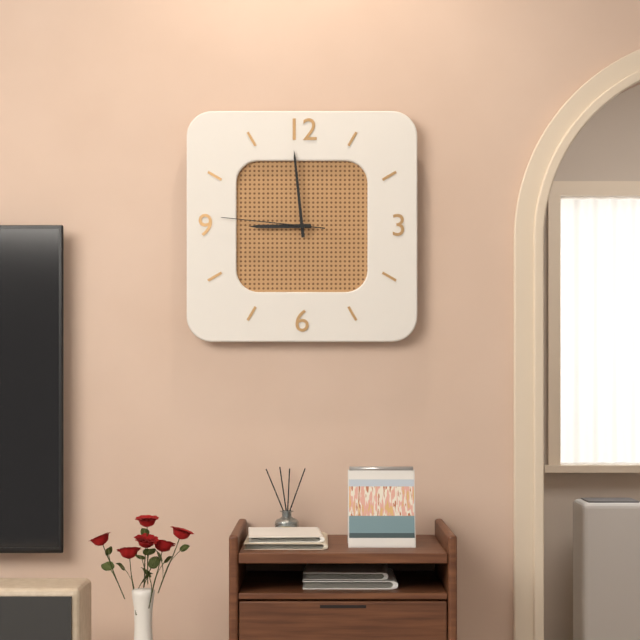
8:59:46
